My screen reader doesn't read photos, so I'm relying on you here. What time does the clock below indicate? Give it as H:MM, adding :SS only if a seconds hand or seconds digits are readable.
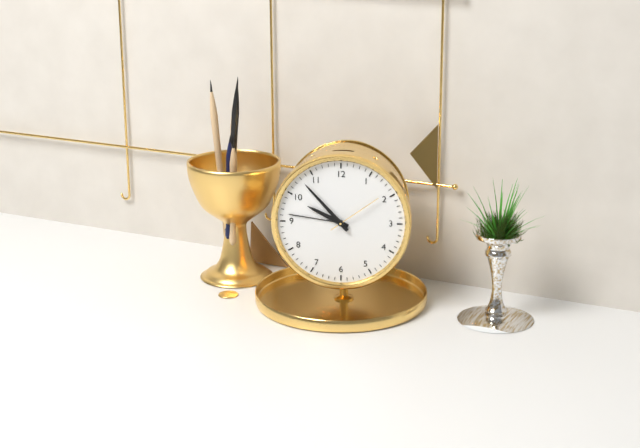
9:53:09
